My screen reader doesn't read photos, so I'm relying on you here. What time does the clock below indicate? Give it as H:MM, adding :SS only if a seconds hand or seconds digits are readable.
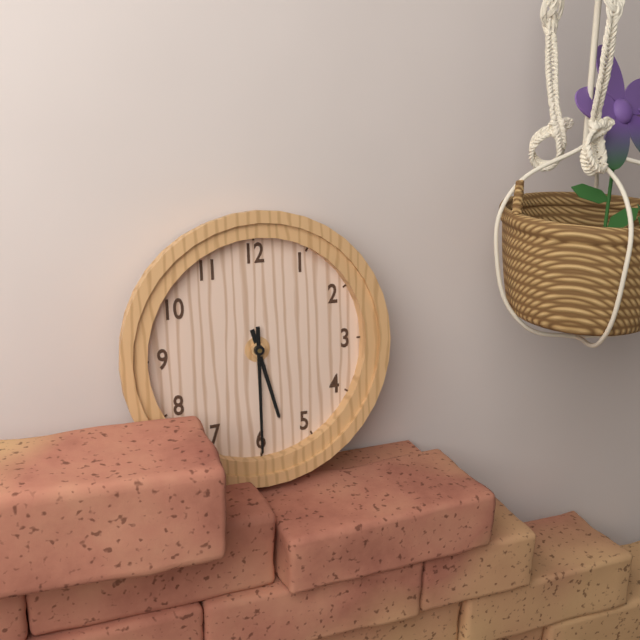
5:30:30
